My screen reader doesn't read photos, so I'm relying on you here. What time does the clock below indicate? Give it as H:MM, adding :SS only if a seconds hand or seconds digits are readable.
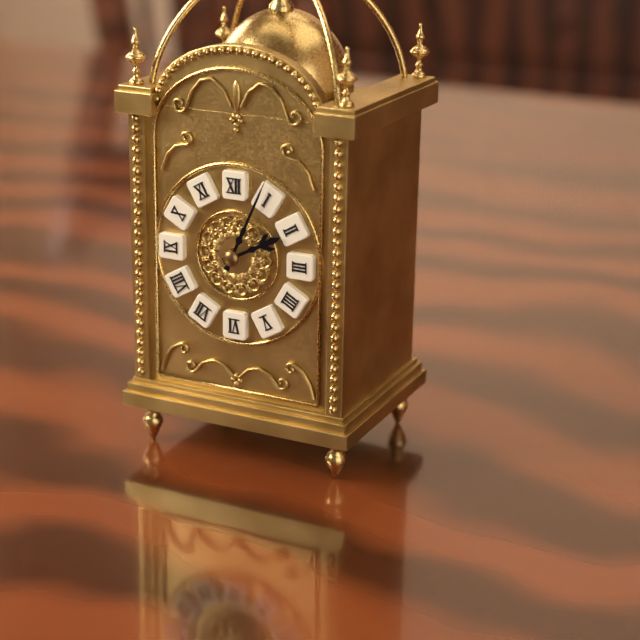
2:04
